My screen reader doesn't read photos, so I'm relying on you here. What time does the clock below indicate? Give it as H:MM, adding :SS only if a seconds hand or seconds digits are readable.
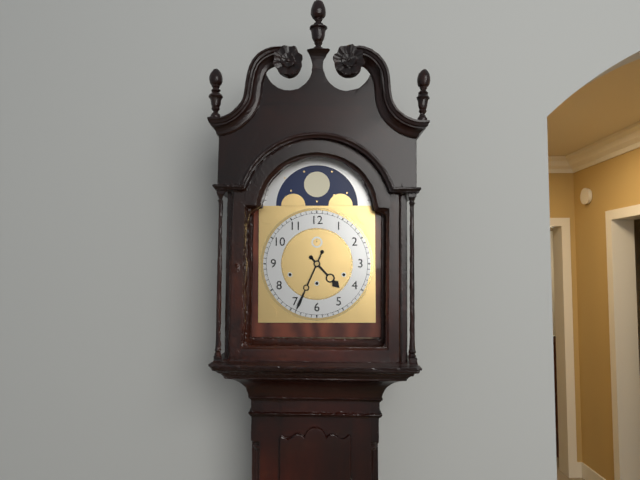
4:34
